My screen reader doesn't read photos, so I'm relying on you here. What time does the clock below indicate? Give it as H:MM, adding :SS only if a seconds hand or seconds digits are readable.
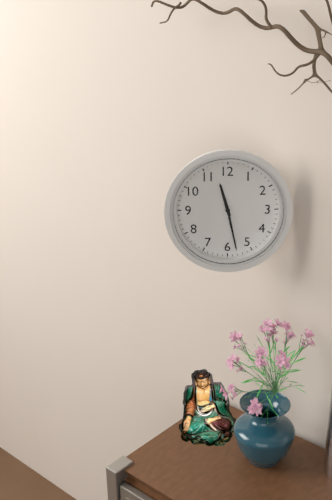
11:28
